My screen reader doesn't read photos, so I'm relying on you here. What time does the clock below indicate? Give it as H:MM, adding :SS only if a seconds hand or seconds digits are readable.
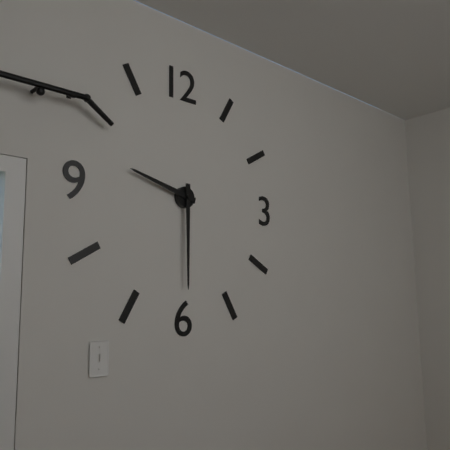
9:30
